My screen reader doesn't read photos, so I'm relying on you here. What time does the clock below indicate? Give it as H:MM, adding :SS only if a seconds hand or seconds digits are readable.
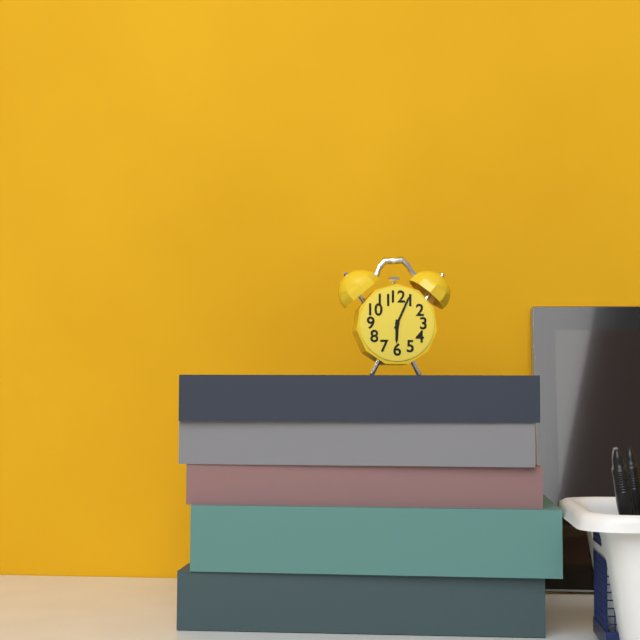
6:04
